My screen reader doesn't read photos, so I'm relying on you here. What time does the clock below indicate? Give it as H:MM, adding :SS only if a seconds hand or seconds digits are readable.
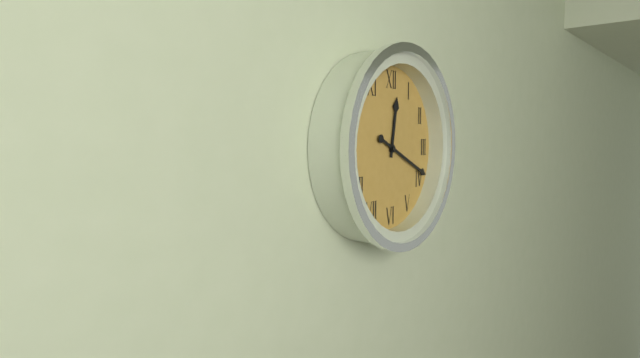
12:19
